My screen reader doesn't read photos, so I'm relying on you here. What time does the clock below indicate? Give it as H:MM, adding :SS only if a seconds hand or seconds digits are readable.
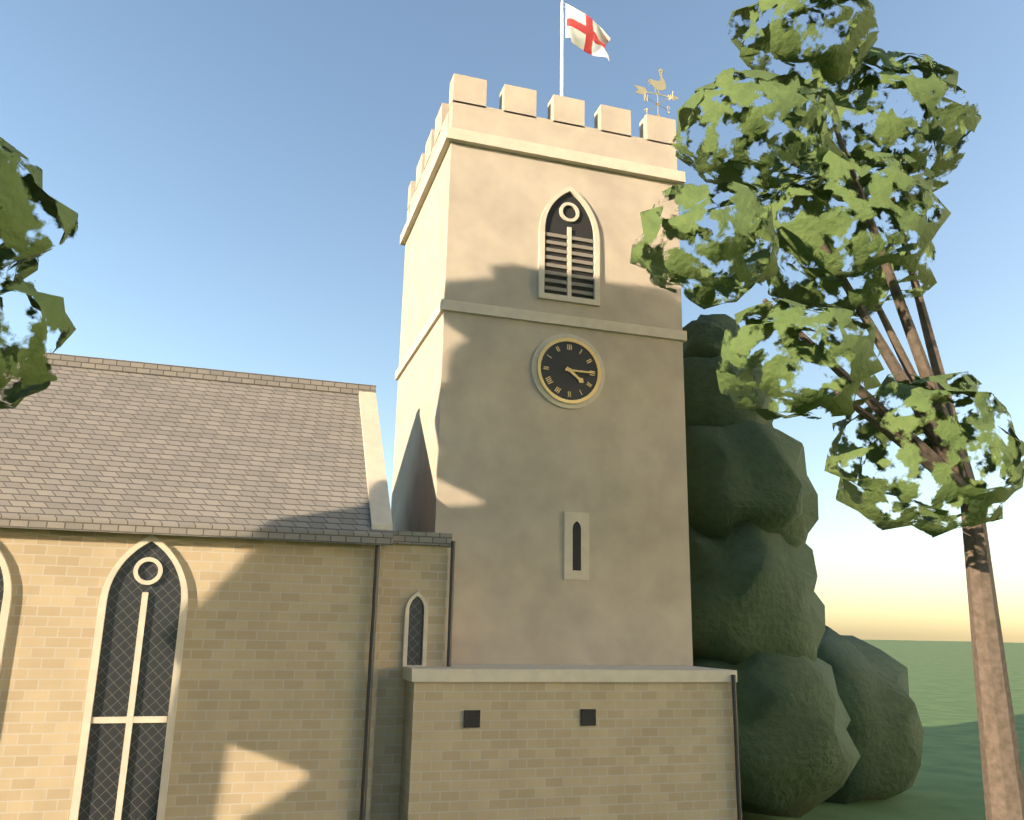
4:15
